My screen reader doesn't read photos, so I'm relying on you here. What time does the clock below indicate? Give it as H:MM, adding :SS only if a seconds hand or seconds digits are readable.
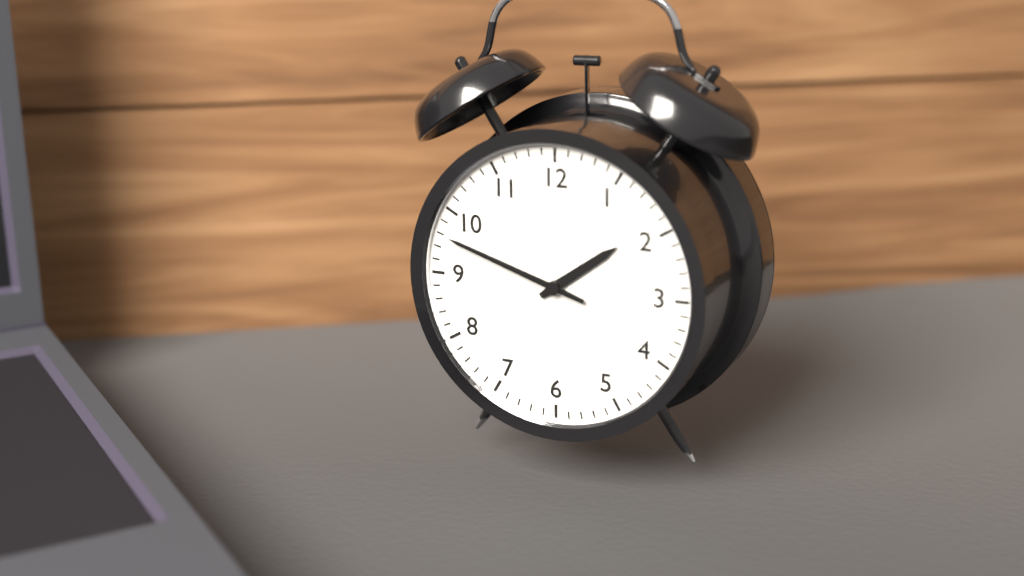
1:48
